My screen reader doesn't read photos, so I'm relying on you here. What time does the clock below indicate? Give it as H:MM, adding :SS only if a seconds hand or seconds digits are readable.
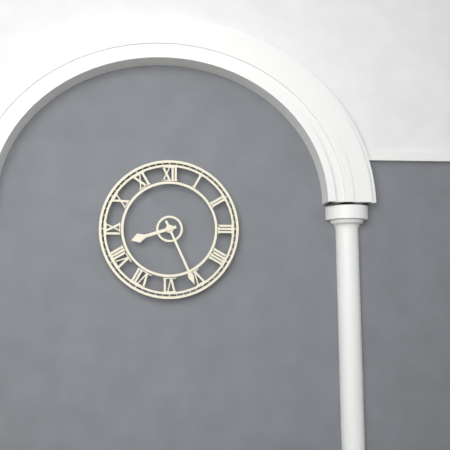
8:26
